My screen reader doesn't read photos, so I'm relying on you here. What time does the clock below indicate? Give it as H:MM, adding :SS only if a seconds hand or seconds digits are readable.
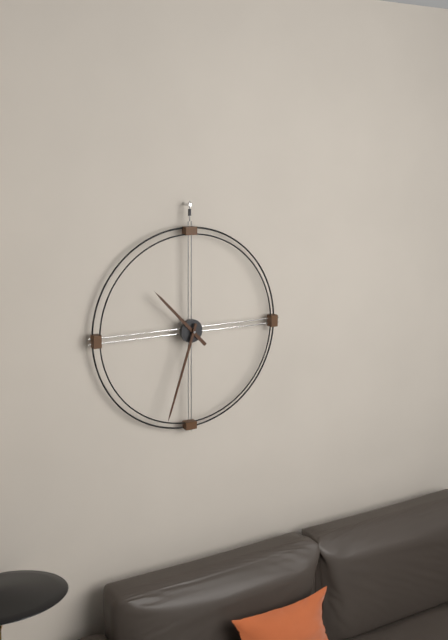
10:33
